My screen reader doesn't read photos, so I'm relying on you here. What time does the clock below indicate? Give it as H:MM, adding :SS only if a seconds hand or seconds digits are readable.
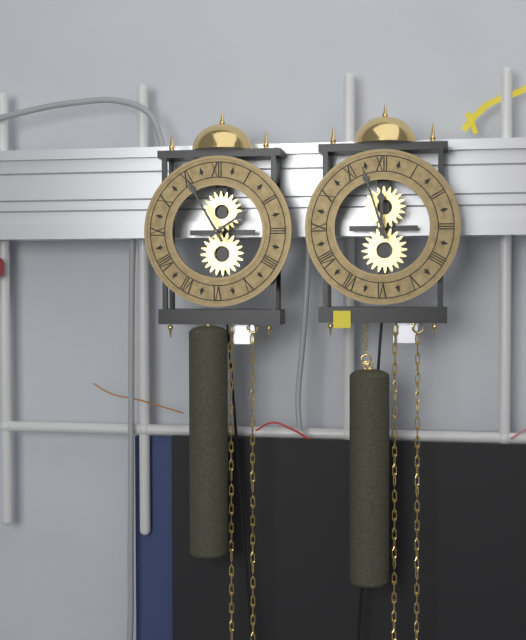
1:55
